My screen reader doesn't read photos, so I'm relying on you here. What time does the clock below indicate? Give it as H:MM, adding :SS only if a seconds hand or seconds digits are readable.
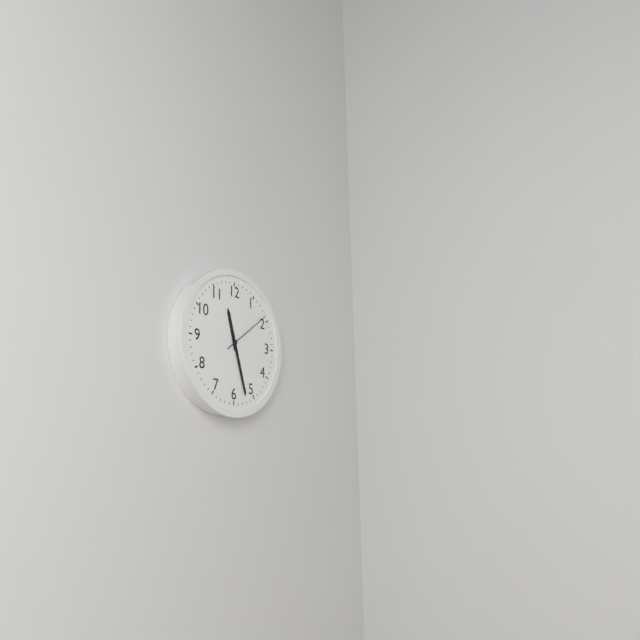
11:27
